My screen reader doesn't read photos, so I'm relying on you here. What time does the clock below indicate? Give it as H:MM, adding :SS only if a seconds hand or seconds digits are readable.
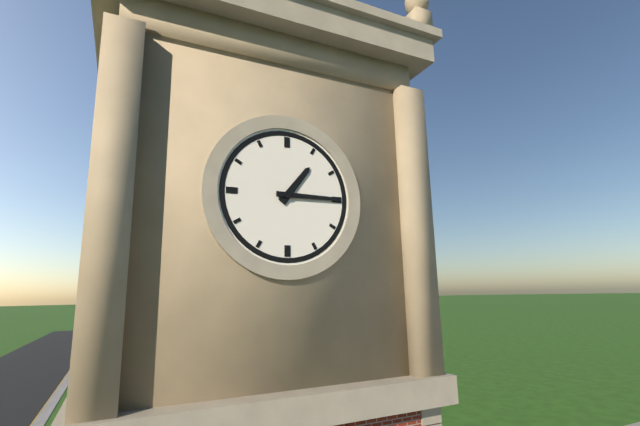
1:15
